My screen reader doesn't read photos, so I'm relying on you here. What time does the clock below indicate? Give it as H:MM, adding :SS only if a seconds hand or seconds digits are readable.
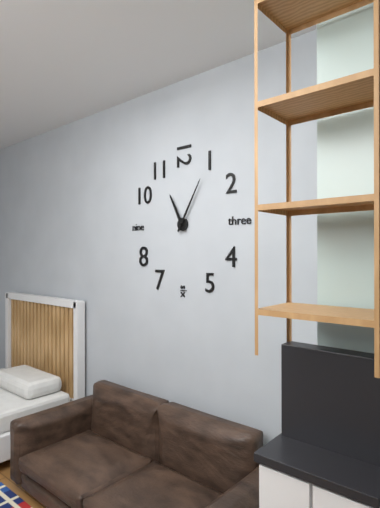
11:05
